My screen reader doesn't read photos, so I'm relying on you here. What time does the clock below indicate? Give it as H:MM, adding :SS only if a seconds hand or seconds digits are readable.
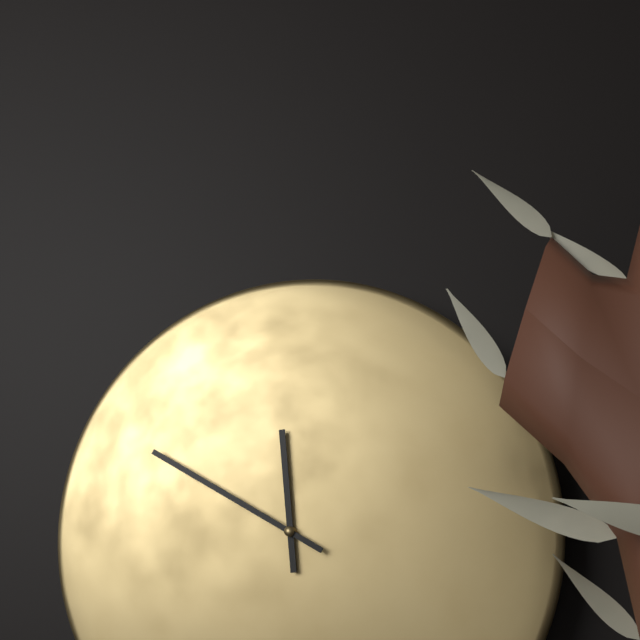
11:50
